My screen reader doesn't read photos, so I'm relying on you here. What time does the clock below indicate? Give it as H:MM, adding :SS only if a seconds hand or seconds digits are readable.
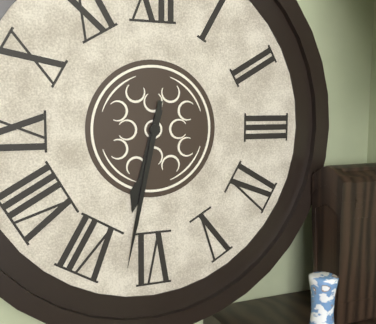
6:32
